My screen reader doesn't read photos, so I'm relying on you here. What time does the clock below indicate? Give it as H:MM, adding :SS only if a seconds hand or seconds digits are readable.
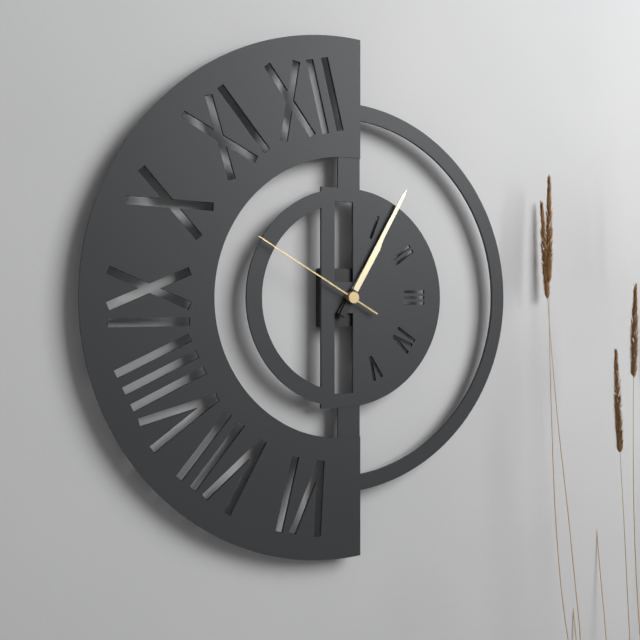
1:05:50
